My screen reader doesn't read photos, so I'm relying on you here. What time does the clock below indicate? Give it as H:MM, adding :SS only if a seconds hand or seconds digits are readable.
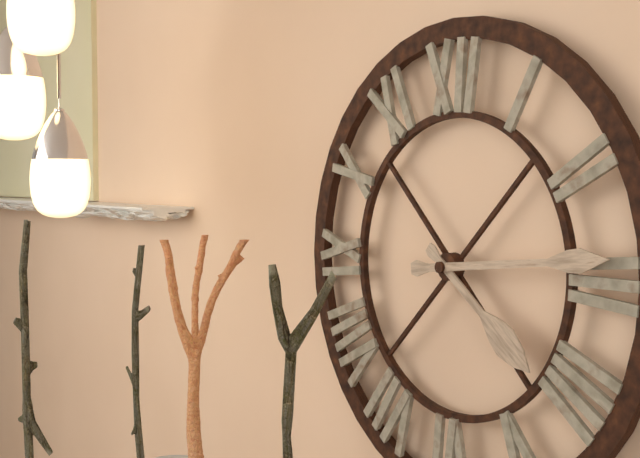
4:14
